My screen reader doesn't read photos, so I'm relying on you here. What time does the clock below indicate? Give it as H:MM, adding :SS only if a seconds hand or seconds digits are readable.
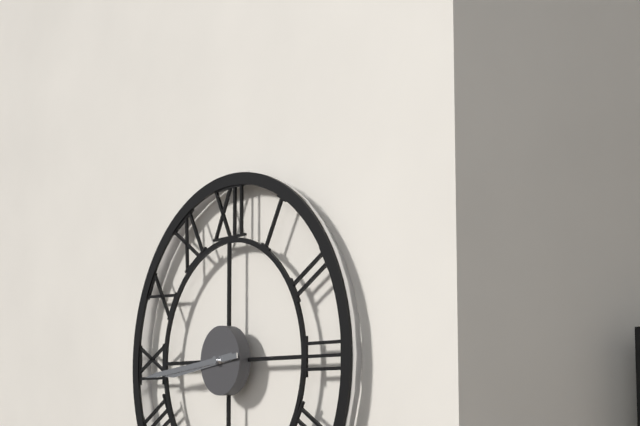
8:44
